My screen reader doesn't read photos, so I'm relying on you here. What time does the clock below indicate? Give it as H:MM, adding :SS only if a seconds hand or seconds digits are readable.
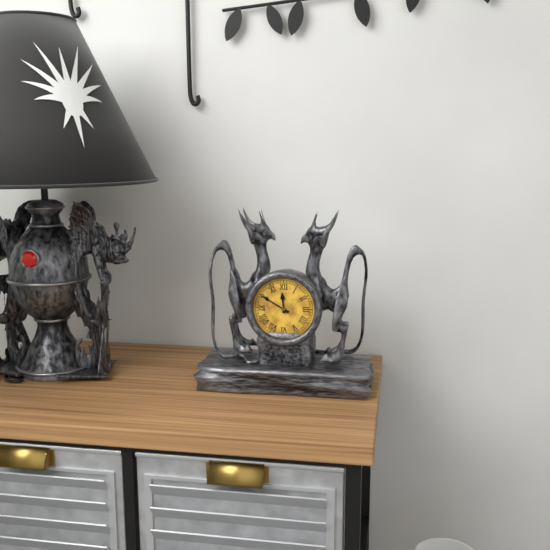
11:50
